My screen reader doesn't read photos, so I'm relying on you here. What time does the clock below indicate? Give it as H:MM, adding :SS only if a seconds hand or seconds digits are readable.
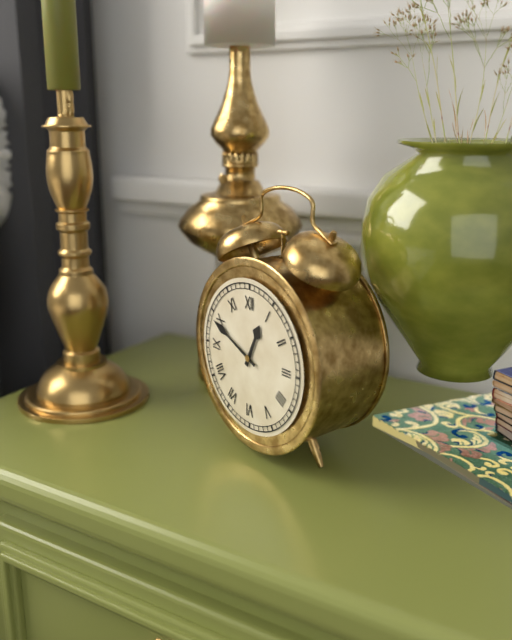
12:49
